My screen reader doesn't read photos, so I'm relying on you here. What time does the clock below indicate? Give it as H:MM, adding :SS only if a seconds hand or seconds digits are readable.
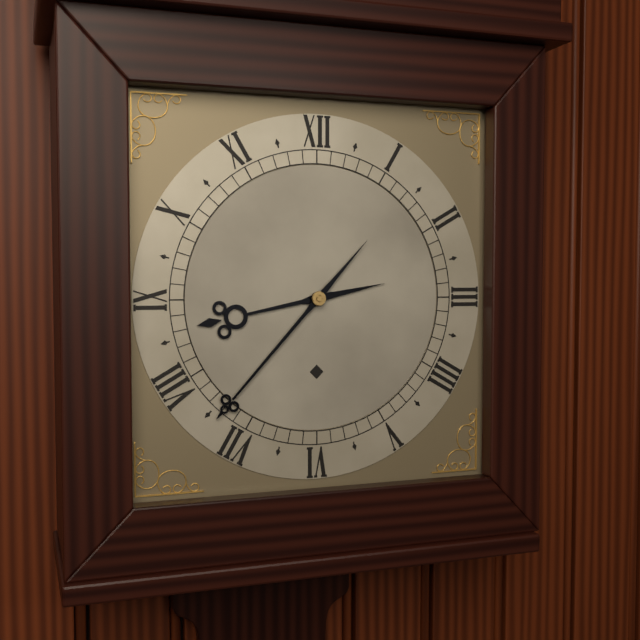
8:37
